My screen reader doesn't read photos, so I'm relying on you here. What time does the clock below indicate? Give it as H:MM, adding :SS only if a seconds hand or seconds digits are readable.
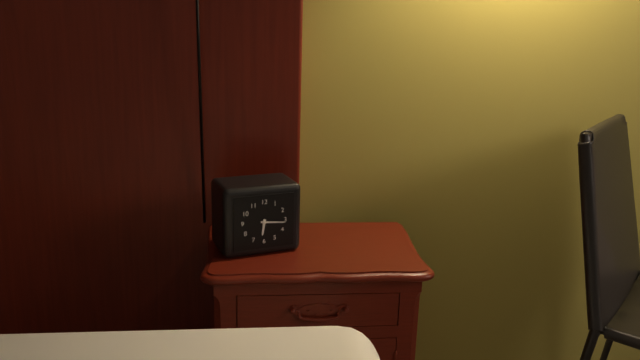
6:16
